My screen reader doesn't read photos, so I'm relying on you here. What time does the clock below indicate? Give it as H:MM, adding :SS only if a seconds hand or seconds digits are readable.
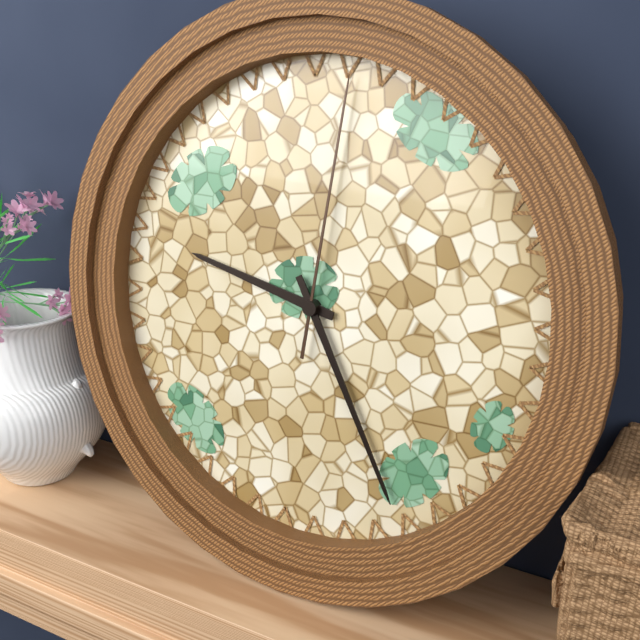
9:25:01
